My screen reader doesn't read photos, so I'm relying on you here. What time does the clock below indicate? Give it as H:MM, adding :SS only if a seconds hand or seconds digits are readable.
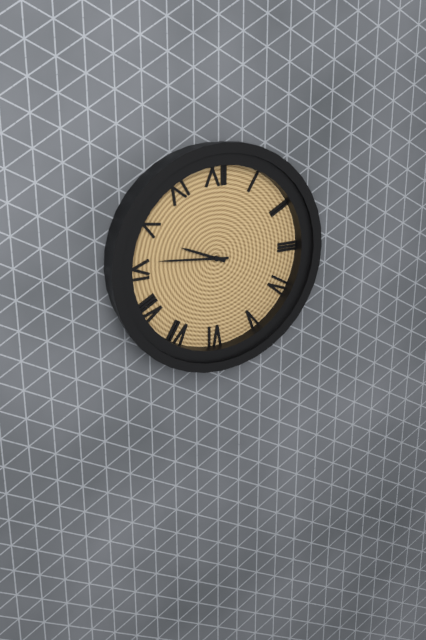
9:46
